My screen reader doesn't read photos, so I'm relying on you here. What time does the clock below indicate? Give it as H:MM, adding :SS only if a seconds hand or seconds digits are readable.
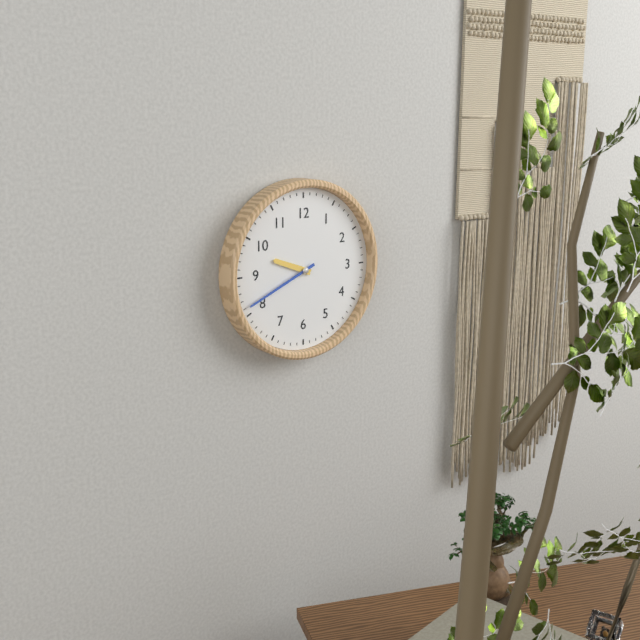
9:41
